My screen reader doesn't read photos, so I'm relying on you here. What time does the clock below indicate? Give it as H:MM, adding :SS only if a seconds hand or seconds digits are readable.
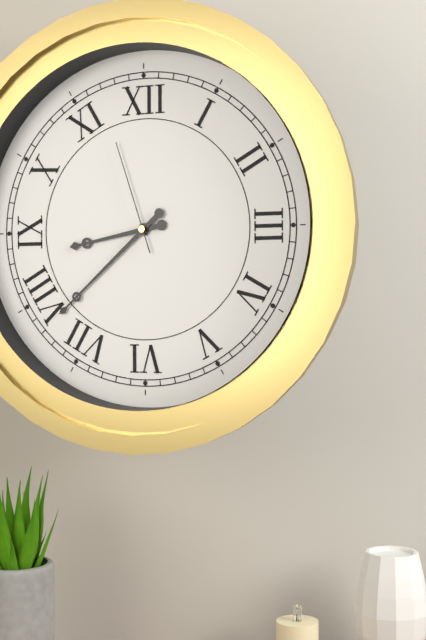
8:38:57
